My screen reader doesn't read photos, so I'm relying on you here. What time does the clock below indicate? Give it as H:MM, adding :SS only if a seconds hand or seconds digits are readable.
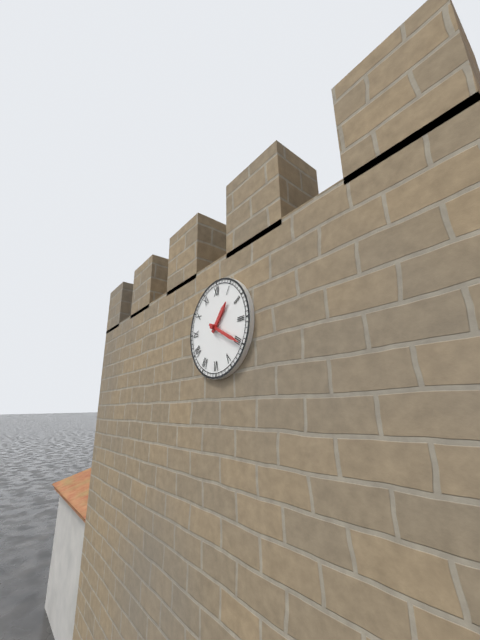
1:20
